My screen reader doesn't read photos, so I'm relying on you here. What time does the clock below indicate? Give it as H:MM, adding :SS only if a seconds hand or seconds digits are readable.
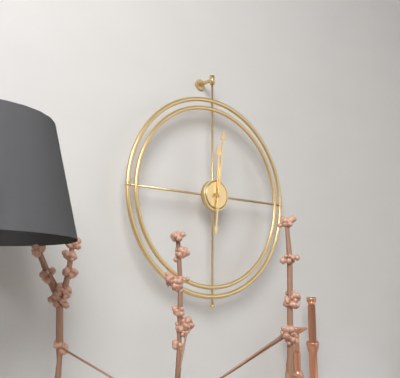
12:01
